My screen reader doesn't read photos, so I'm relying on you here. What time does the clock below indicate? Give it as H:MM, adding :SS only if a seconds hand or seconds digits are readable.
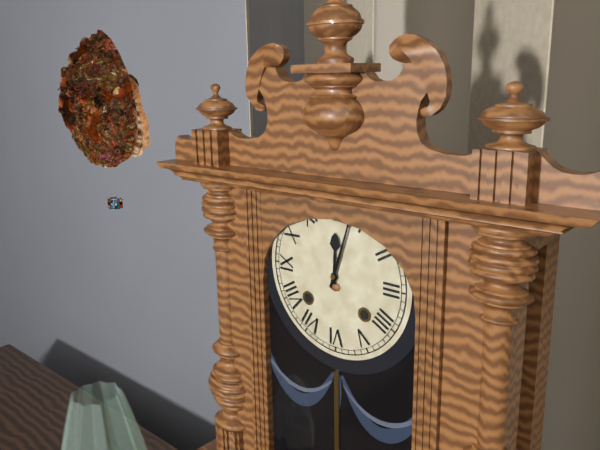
12:03
